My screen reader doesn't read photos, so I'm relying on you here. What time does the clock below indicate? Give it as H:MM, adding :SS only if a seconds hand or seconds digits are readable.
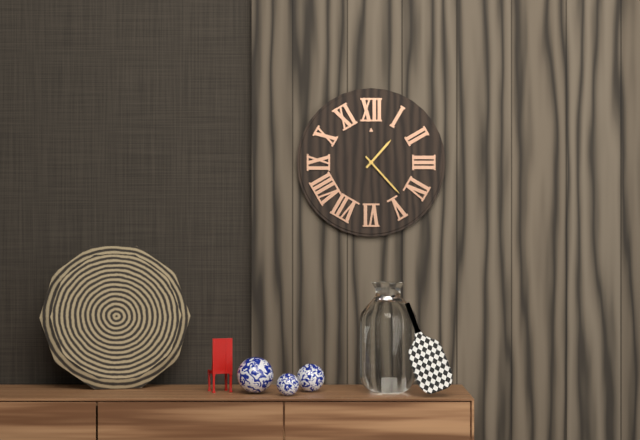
1:23
